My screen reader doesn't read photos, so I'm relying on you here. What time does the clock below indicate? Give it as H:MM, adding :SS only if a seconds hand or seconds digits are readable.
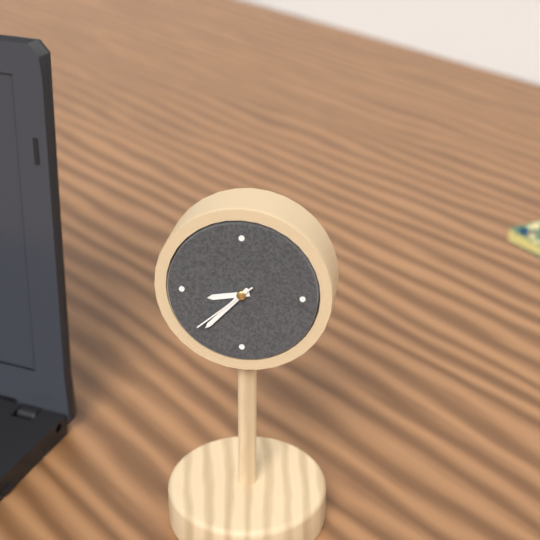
8:37:38
